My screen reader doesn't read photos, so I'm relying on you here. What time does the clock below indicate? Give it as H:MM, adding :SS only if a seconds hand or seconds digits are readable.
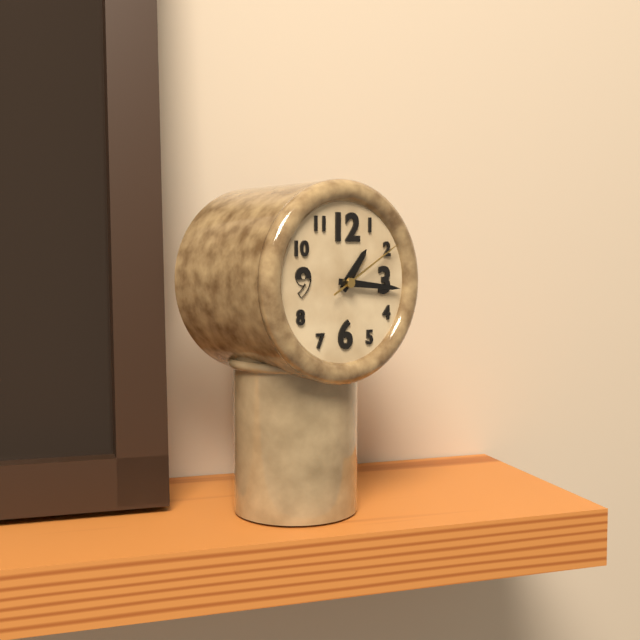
1:16:10
